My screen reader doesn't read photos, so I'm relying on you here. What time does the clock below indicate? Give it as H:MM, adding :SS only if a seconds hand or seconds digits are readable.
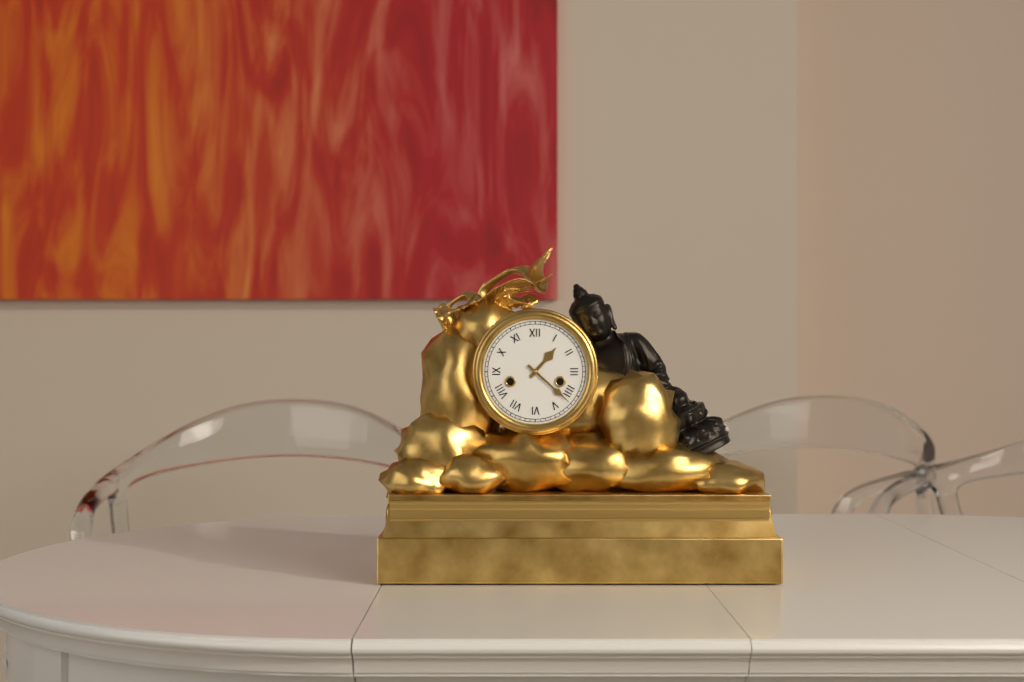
1:22
